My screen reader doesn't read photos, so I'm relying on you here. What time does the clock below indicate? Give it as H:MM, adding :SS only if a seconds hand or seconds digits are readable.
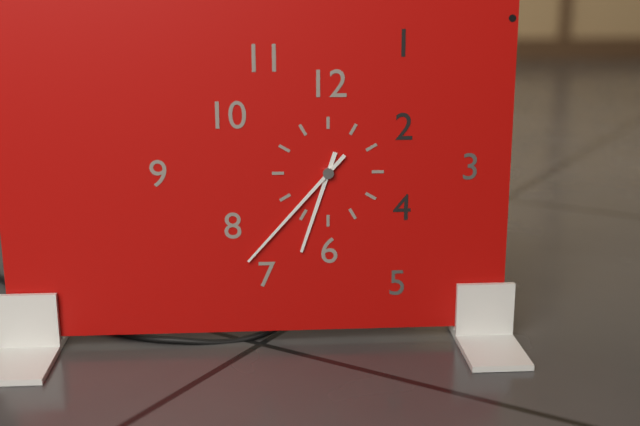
6:37
